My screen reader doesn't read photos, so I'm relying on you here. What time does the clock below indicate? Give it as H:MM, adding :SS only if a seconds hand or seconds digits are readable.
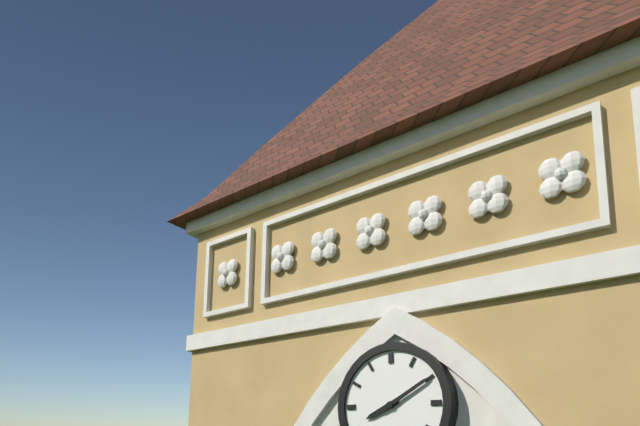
8:10
